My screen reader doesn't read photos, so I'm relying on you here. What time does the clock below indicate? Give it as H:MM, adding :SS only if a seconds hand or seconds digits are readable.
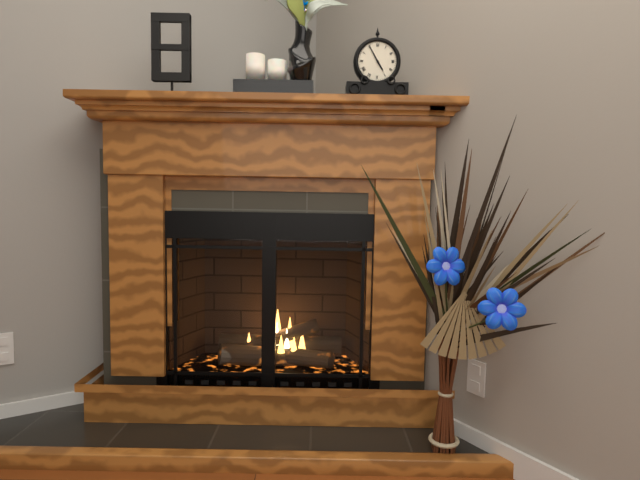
4:55
